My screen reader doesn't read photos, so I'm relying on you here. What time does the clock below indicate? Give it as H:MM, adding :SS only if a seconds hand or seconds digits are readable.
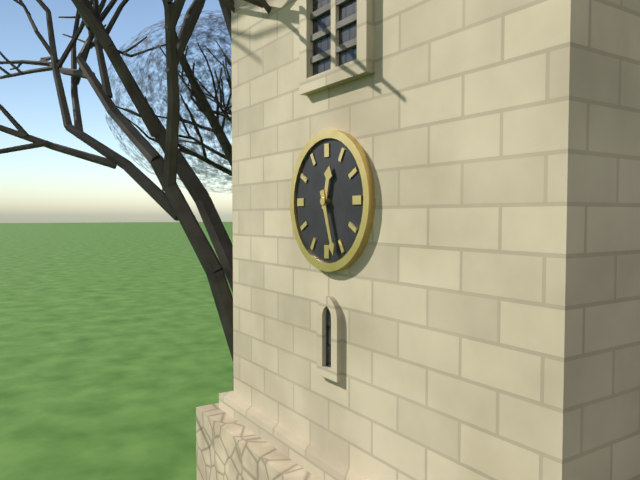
12:27
